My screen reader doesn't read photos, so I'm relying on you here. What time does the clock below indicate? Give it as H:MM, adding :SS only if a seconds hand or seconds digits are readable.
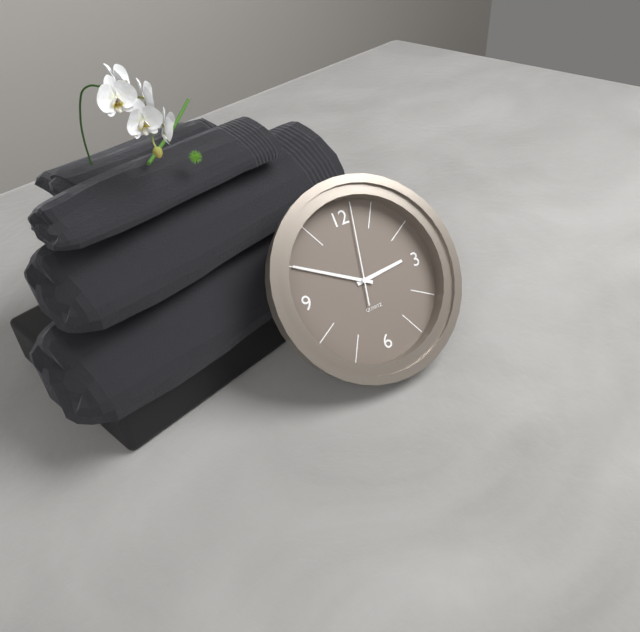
2:50:02
